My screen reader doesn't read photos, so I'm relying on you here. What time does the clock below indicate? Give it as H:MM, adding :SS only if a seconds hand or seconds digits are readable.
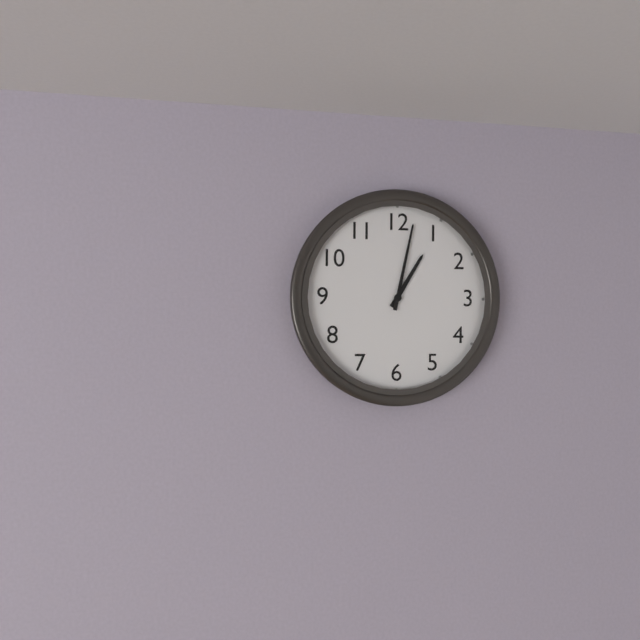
1:02
